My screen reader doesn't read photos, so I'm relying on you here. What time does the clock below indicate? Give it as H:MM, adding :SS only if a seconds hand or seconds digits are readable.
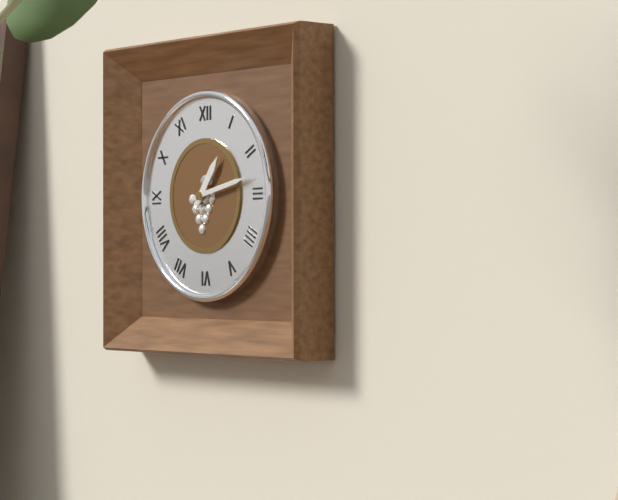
1:13
